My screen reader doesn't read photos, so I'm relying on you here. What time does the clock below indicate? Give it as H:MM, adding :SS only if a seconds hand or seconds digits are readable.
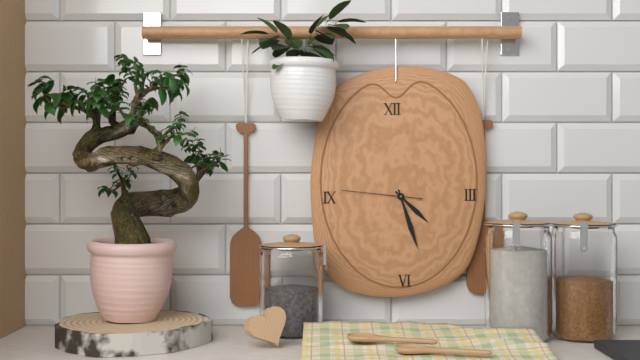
4:27:46
